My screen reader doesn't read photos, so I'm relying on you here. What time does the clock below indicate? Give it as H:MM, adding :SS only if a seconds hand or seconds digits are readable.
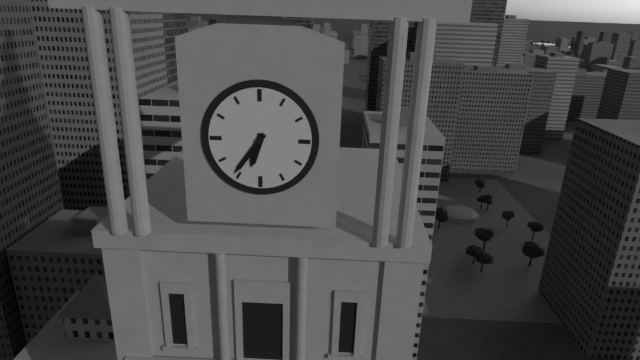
6:36
